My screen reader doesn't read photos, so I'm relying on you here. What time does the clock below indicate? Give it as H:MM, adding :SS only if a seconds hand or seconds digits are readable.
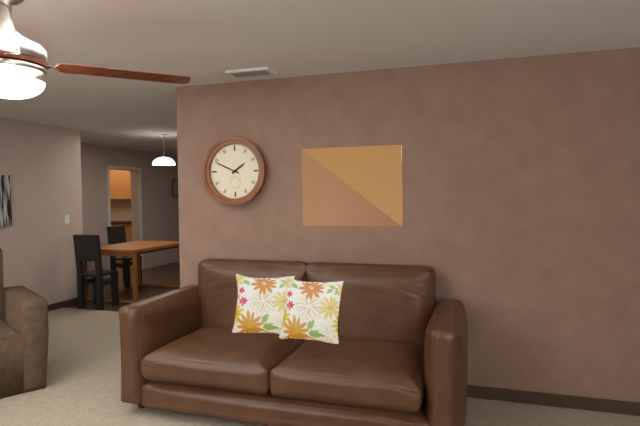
1:49
